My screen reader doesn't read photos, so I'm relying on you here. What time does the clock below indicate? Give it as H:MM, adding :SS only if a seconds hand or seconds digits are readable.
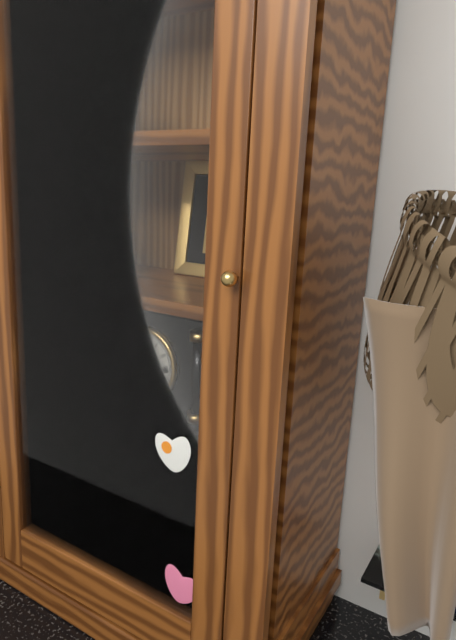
5:16
